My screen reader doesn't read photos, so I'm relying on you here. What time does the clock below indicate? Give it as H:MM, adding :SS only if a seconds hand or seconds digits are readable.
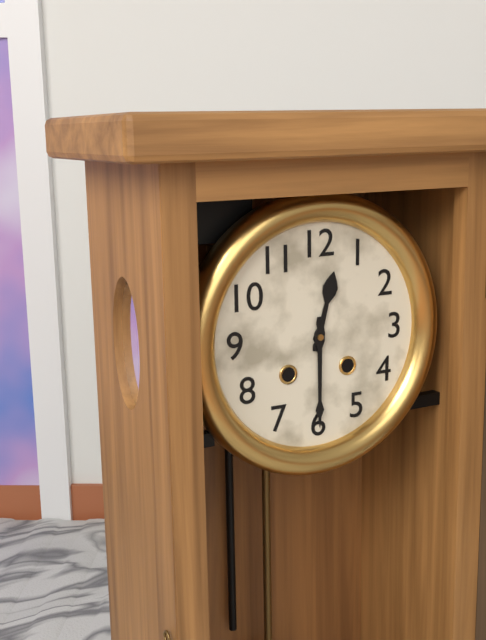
12:30
